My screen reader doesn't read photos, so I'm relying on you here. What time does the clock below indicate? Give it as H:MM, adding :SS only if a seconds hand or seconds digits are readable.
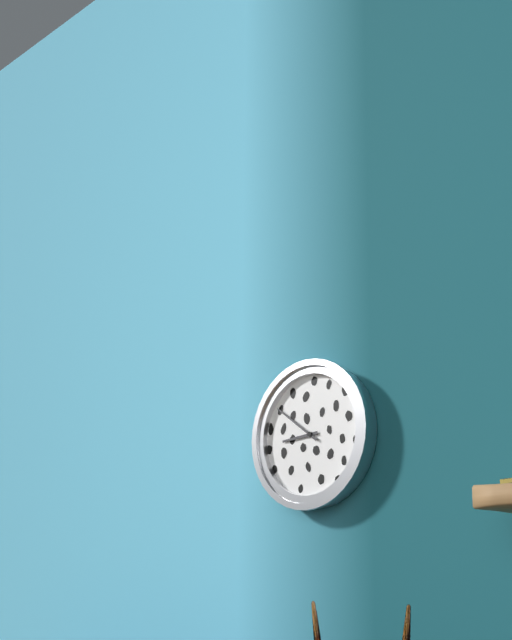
8:51
